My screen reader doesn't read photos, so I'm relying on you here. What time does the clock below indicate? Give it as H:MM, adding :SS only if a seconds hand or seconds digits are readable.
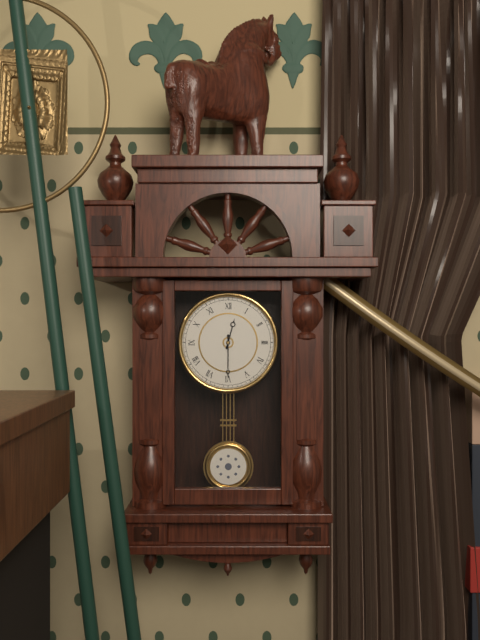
12:30
